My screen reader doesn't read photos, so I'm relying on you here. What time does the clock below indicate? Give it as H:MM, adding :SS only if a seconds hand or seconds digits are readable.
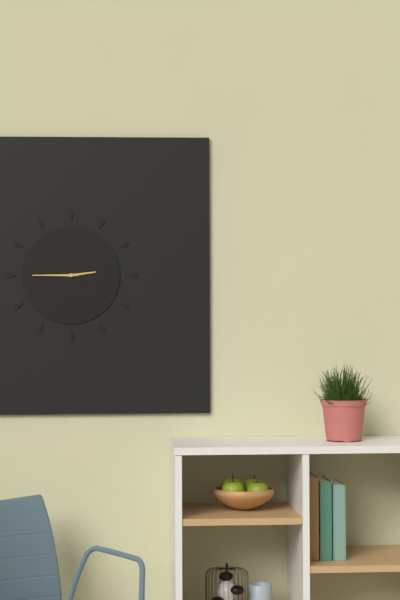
2:45
